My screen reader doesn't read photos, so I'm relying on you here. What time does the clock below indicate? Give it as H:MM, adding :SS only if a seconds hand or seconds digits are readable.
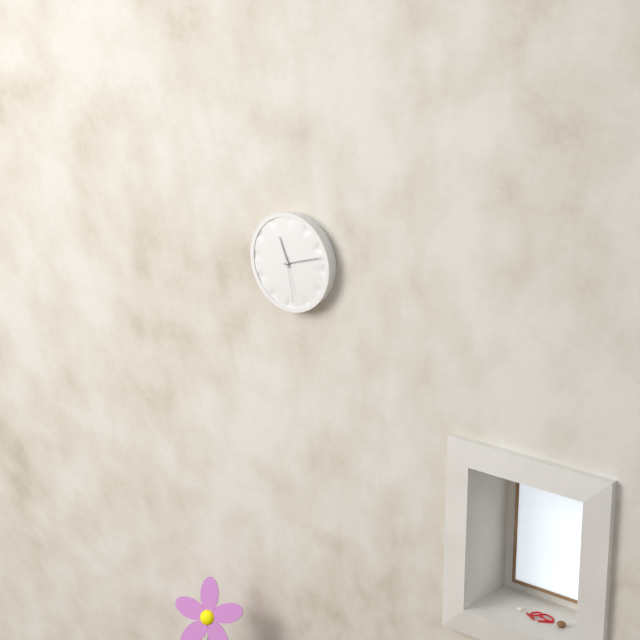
11:12
